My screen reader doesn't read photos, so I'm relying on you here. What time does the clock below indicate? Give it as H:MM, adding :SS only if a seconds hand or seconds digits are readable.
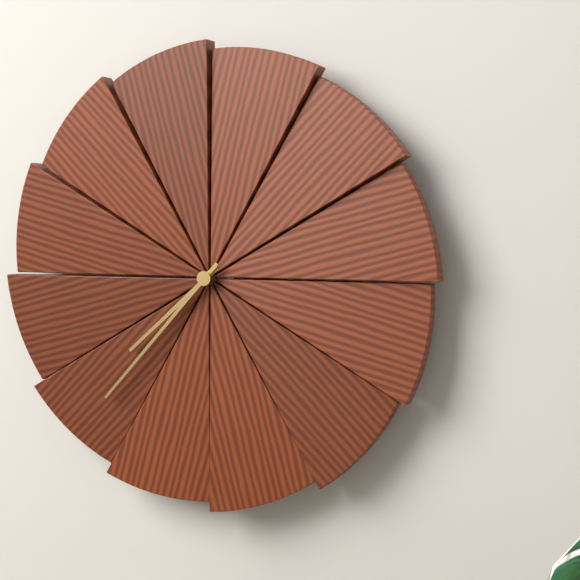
7:37
